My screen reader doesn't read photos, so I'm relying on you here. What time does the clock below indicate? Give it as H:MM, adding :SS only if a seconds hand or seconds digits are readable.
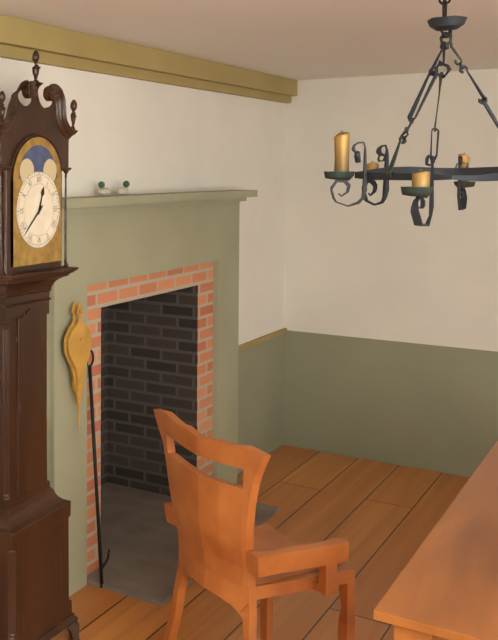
12:38
